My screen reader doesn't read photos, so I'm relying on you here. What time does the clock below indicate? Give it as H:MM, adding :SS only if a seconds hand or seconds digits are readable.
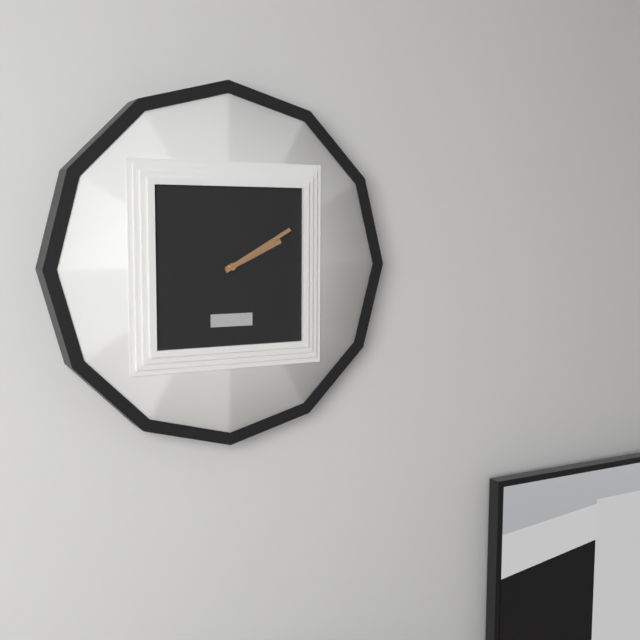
2:10
